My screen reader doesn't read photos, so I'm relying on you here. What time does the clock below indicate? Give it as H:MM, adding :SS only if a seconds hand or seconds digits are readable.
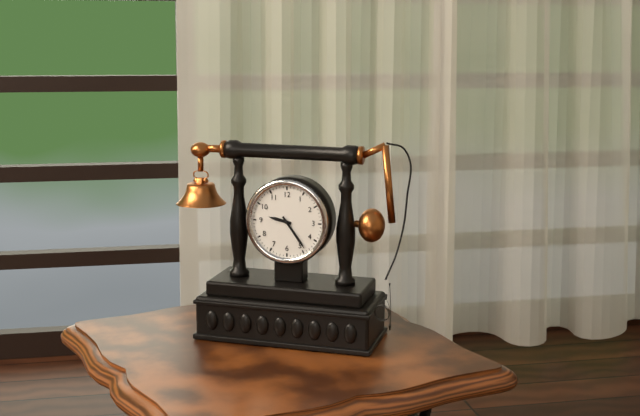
9:24
